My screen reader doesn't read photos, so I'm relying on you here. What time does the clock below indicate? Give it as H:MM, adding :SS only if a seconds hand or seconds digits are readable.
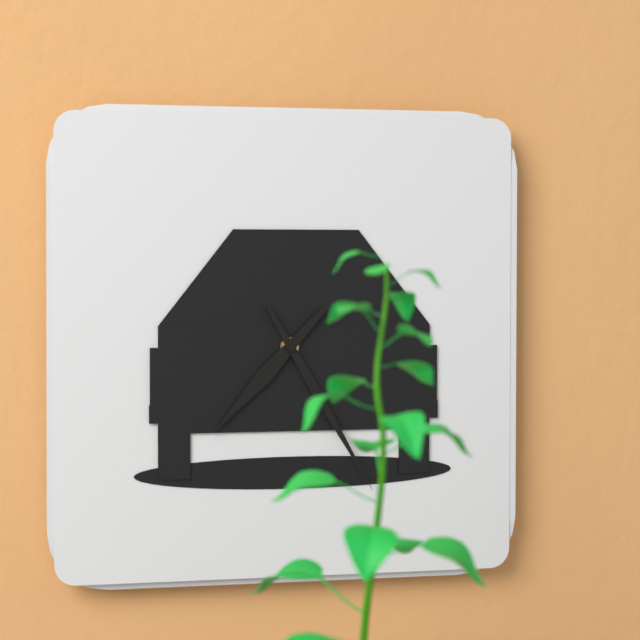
7:25
